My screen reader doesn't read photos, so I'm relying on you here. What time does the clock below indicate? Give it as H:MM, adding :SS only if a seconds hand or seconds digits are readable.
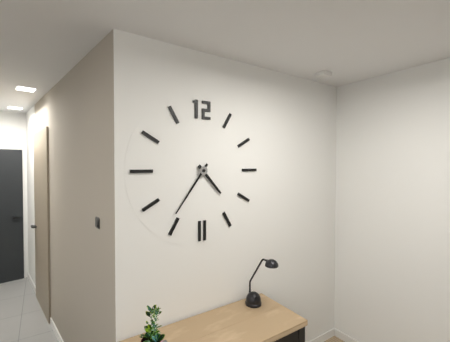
4:36
